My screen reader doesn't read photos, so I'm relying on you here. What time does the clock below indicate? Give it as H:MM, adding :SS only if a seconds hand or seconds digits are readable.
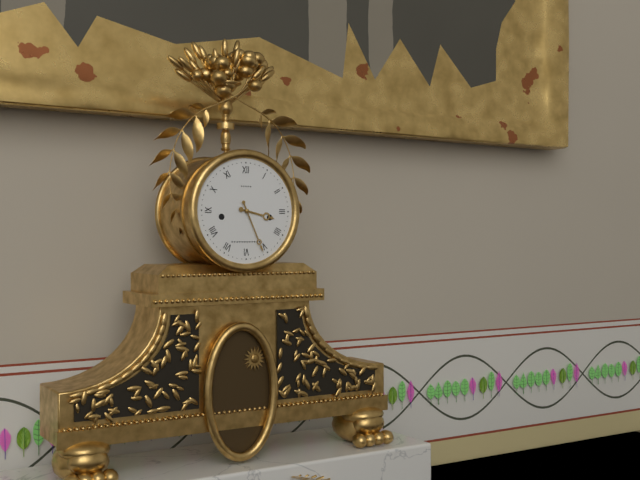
3:26
